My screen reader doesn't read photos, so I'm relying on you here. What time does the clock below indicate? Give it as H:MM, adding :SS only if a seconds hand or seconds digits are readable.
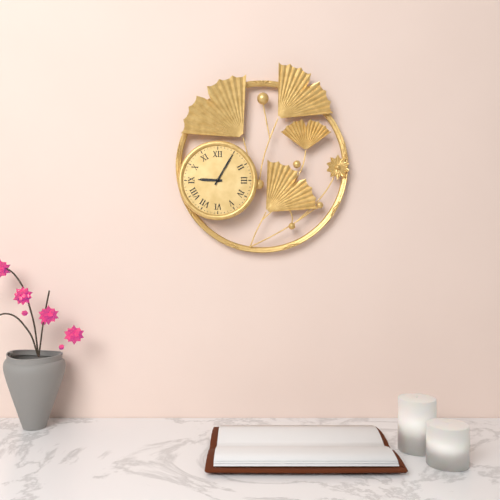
9:05
